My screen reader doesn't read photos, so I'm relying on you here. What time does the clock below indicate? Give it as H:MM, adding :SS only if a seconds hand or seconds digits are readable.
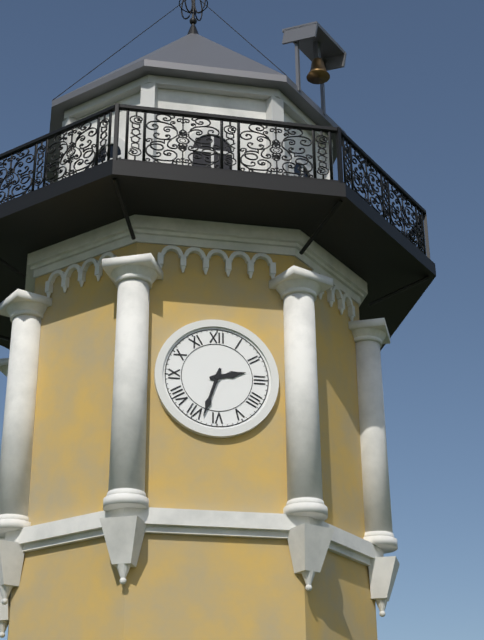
2:33
